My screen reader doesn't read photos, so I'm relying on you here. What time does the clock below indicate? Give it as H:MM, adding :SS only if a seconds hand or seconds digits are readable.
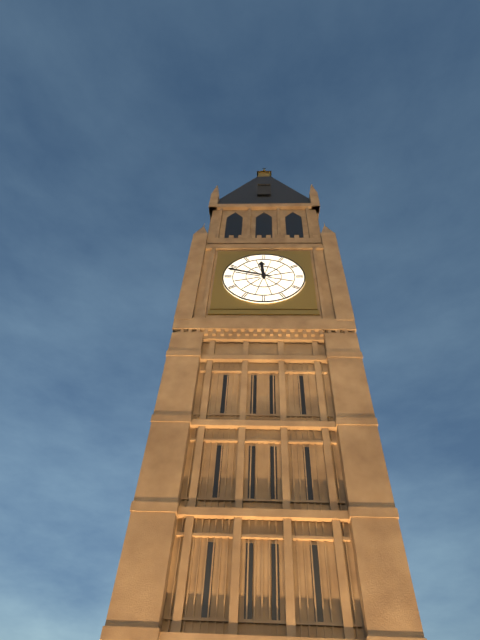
11:48
